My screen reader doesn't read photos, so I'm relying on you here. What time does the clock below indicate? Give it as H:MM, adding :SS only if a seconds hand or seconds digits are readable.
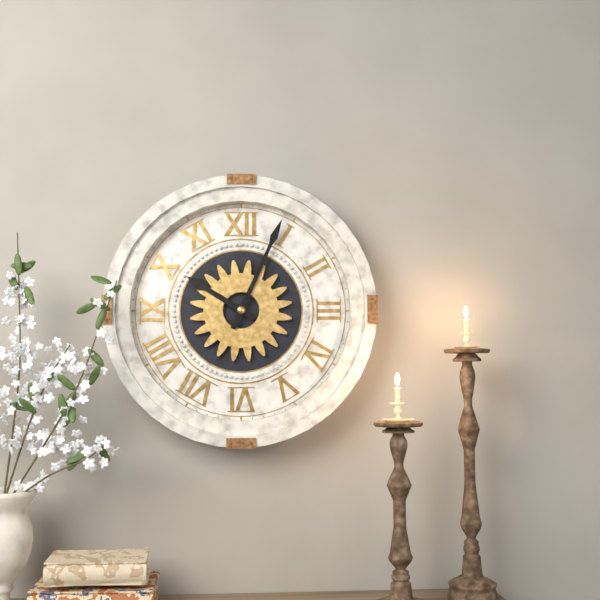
10:04
